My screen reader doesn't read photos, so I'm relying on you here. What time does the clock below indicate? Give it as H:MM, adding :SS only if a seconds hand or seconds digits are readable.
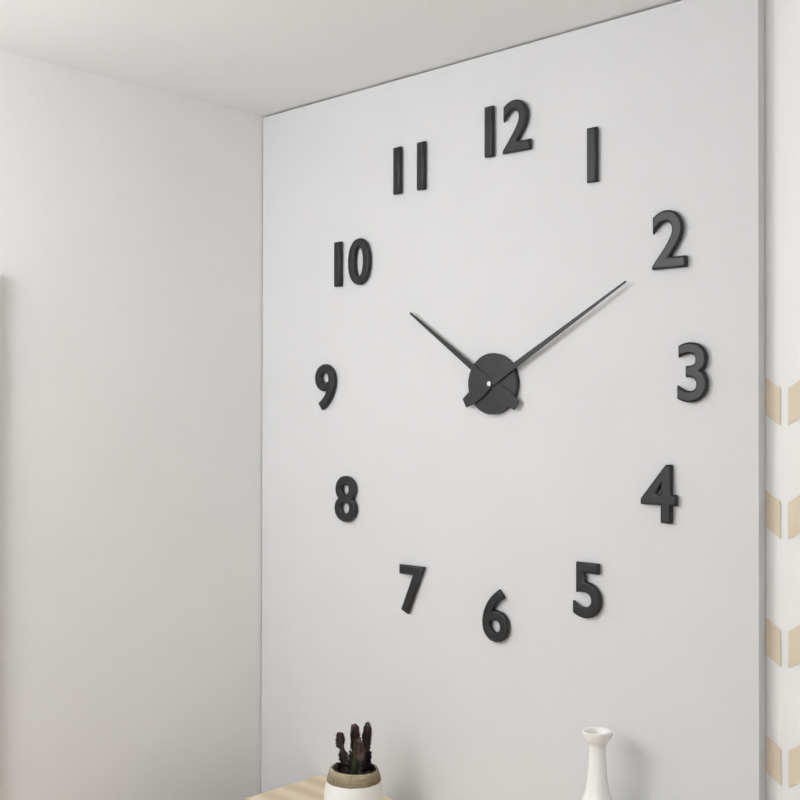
10:10
